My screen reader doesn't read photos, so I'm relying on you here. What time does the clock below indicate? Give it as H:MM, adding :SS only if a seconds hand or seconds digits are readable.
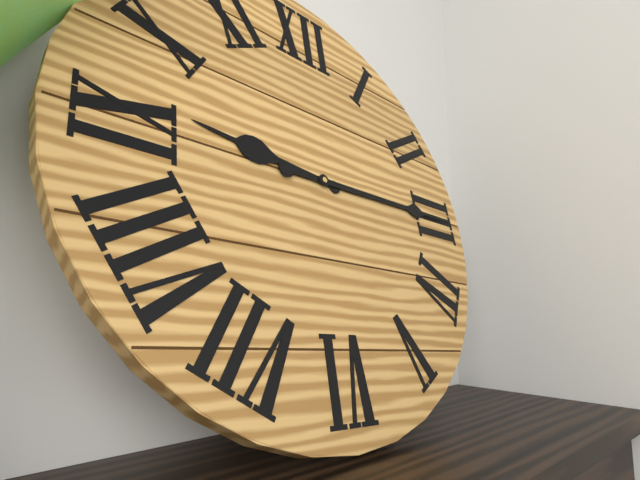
9:15
